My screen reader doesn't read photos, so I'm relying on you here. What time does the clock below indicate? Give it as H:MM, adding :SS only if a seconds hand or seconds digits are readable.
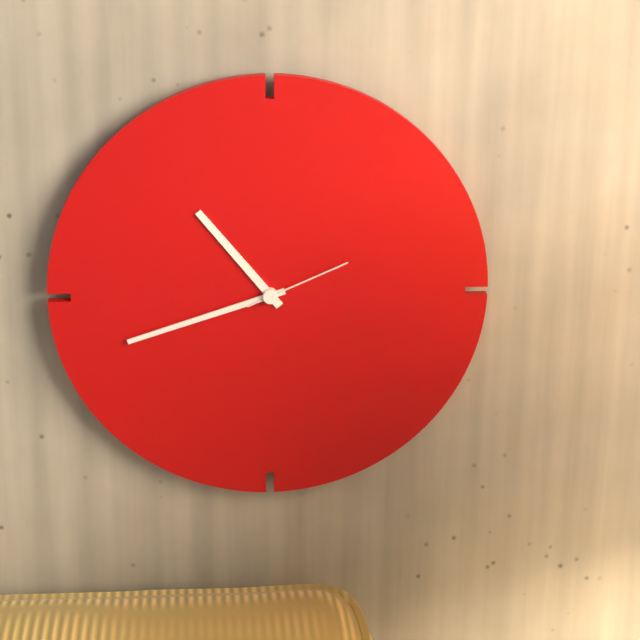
10:42:11
